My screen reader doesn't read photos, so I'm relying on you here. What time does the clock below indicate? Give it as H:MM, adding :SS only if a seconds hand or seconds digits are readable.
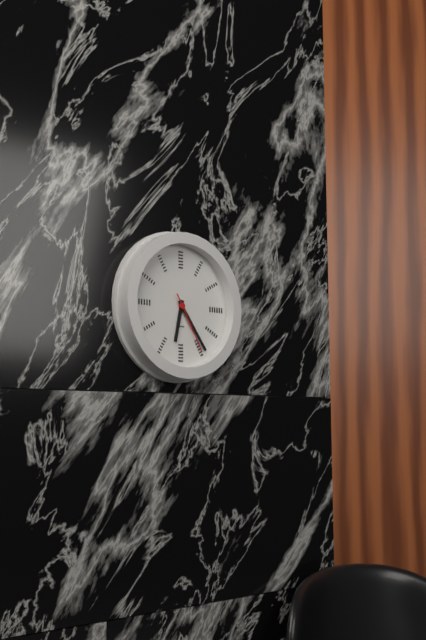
6:24:25
